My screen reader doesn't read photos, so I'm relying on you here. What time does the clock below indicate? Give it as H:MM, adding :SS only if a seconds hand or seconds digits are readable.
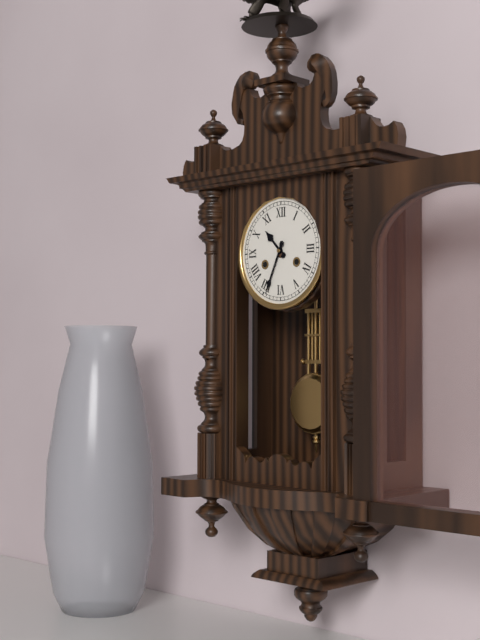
10:34
